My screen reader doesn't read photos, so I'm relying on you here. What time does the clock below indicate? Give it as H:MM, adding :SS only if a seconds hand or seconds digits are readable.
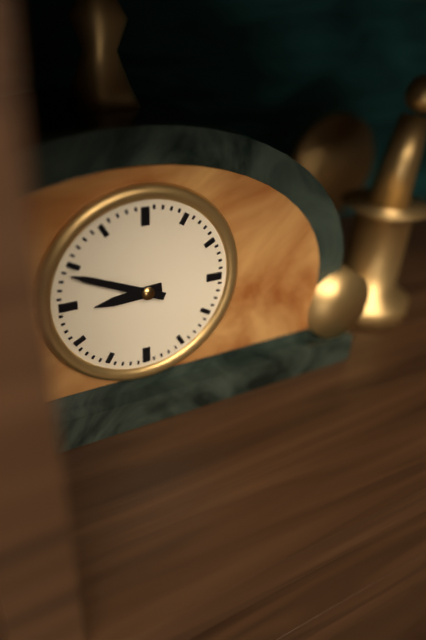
8:49
